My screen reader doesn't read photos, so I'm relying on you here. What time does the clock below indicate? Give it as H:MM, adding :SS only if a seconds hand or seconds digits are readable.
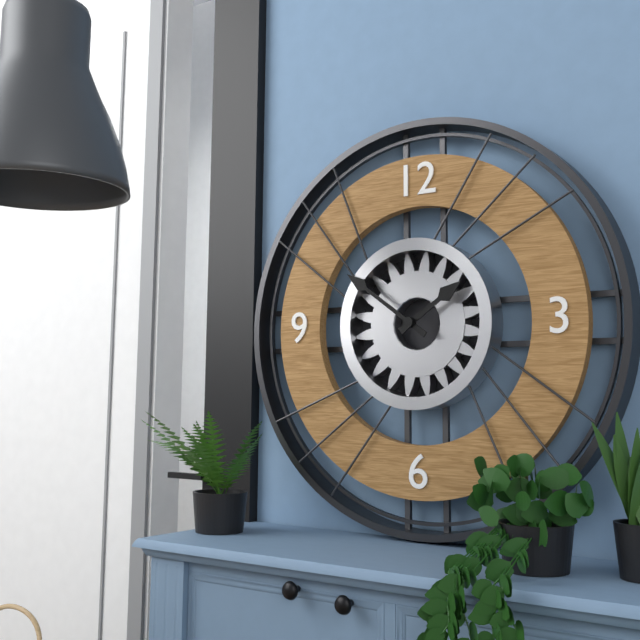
1:51
